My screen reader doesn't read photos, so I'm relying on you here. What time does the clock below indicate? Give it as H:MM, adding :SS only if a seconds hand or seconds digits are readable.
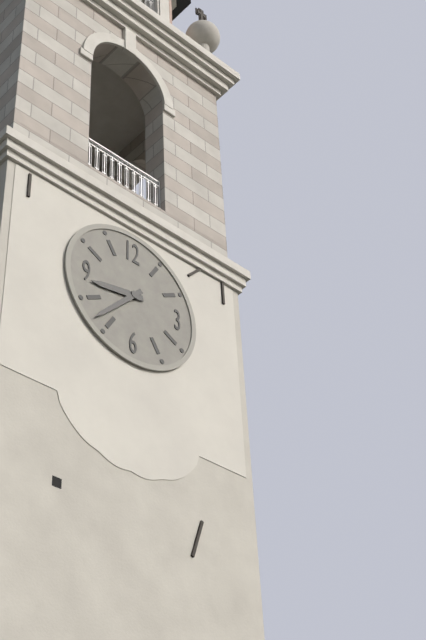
8:37
